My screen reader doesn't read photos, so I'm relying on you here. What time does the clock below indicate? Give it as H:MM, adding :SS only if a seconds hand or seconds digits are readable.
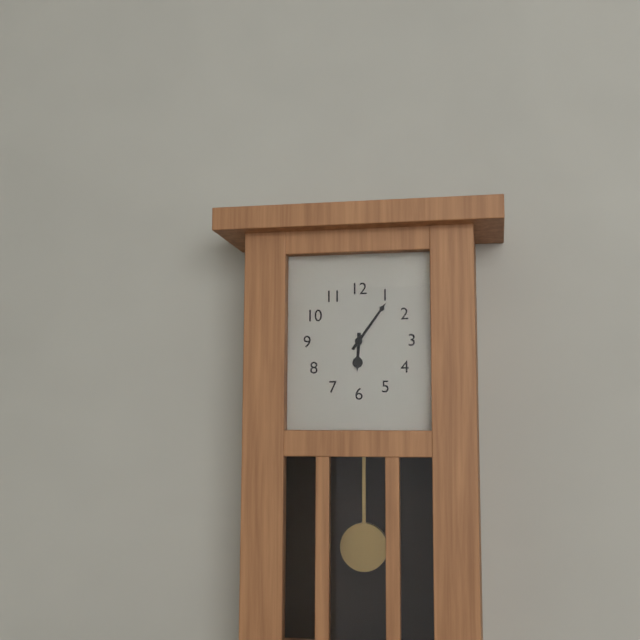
6:06
